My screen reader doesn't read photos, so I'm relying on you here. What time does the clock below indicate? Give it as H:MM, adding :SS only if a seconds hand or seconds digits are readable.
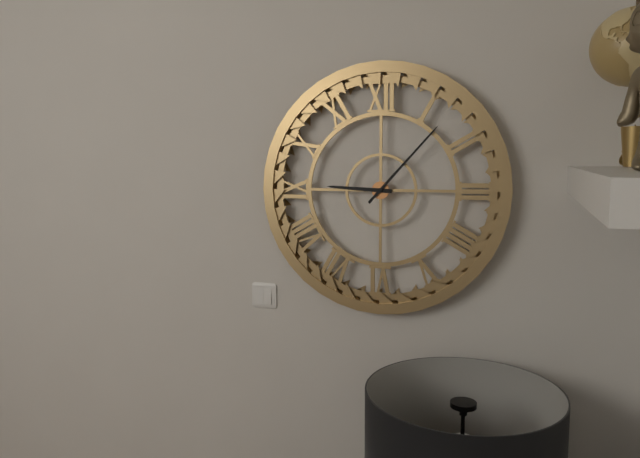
9:07
